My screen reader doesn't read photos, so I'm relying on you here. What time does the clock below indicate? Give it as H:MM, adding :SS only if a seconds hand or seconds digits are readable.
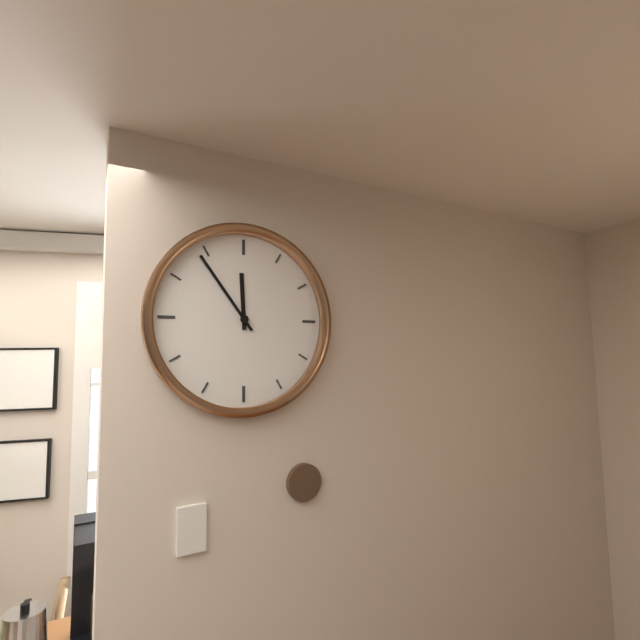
11:54
